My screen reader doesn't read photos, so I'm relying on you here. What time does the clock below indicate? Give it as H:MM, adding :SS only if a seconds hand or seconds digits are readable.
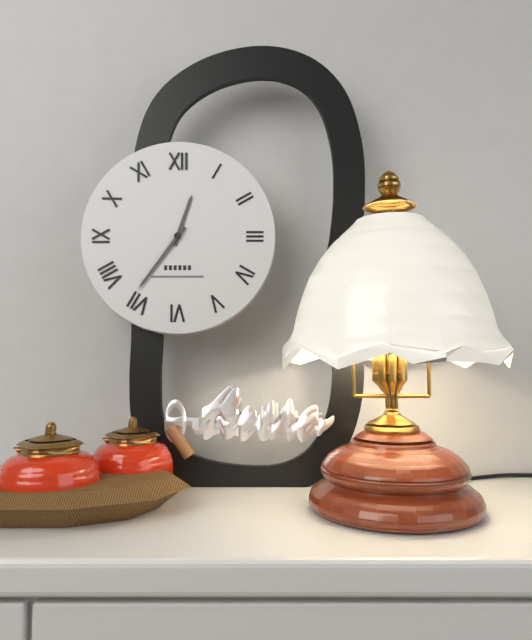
12:36
